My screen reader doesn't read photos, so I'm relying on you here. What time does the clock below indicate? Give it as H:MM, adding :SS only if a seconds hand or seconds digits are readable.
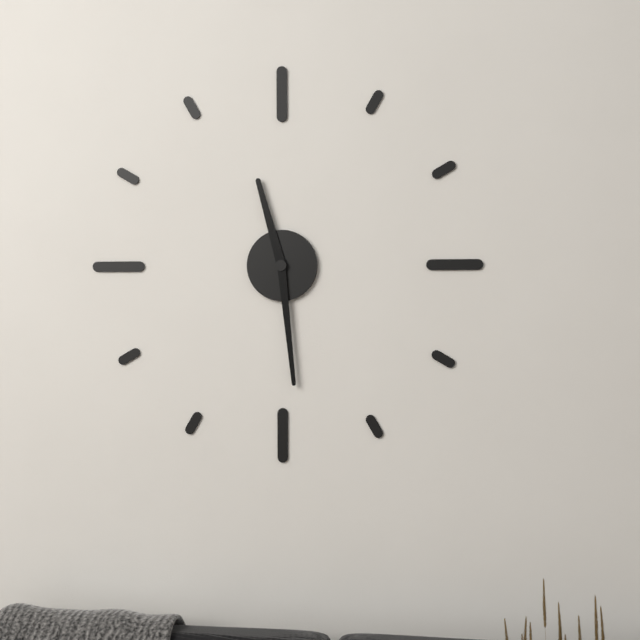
11:29
